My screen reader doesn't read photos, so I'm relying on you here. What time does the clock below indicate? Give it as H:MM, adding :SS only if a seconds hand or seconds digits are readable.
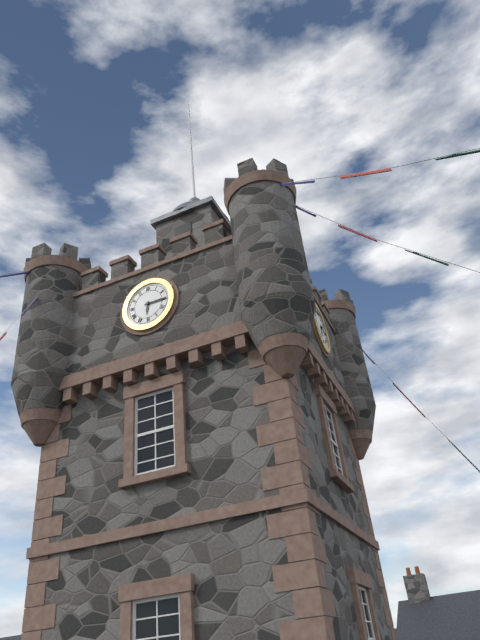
6:15
